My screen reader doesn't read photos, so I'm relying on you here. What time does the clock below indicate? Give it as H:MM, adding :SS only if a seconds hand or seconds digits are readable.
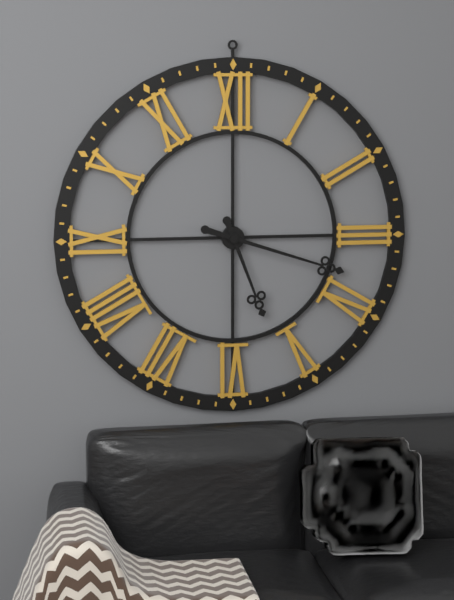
5:18
